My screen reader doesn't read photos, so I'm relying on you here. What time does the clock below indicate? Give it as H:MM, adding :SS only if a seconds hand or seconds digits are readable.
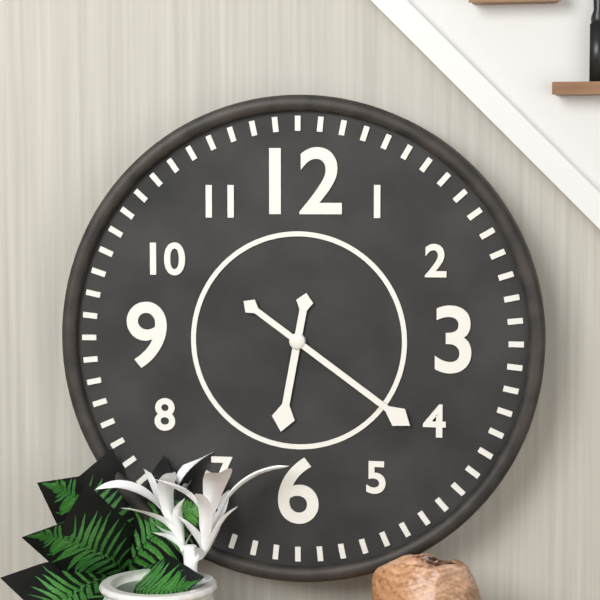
6:21
